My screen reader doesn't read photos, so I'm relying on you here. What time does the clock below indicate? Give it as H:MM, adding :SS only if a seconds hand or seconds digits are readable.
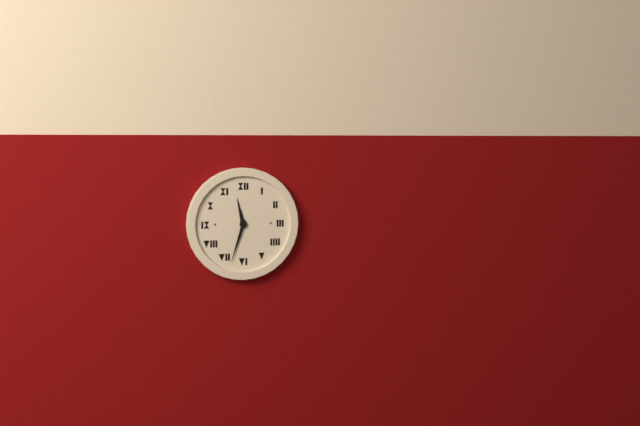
11:33
